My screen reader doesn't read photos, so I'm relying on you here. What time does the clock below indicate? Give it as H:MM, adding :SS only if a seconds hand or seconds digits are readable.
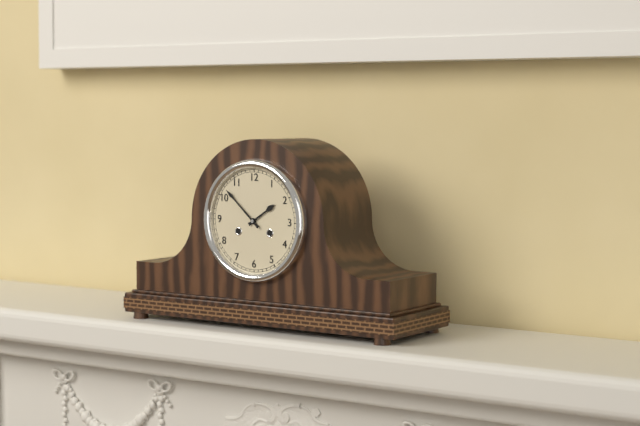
1:52
